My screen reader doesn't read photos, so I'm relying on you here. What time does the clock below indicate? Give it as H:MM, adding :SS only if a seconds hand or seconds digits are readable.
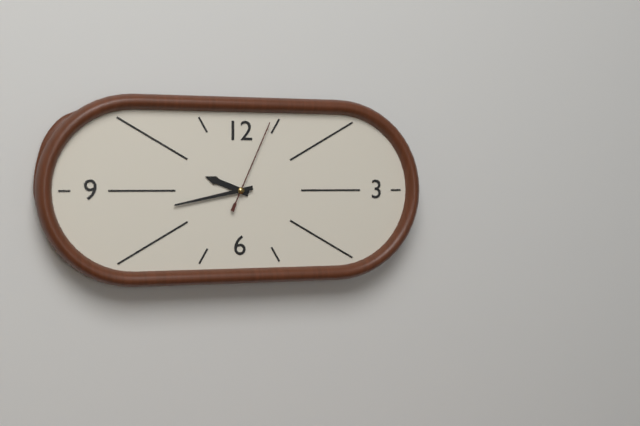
9:43:04
